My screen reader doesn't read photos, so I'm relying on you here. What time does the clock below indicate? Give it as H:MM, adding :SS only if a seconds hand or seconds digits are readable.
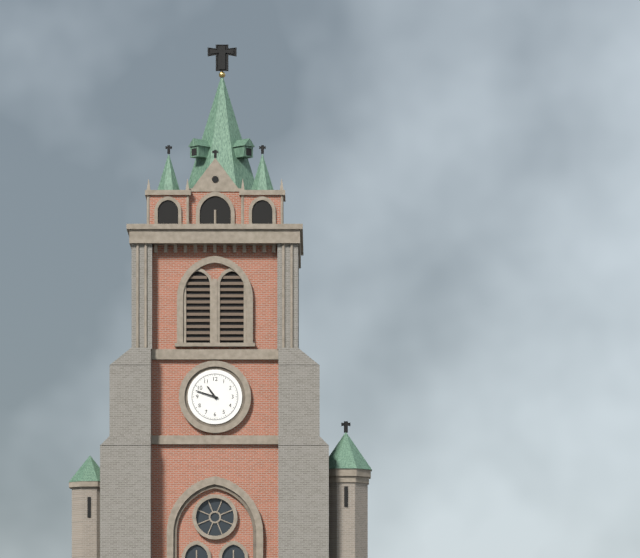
10:48
